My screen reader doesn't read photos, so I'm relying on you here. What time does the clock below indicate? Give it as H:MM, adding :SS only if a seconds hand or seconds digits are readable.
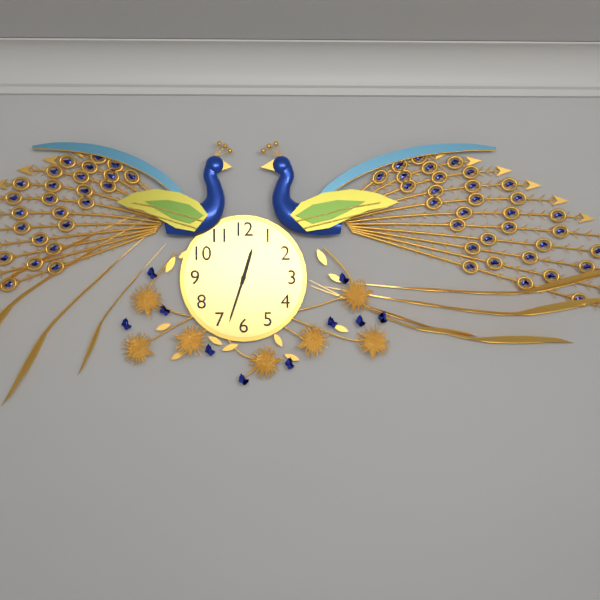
12:33
